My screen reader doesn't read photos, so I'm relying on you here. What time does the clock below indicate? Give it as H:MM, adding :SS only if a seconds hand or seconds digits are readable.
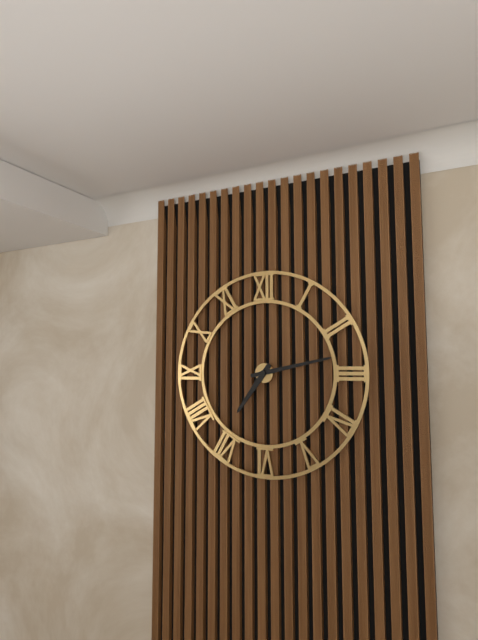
7:13
